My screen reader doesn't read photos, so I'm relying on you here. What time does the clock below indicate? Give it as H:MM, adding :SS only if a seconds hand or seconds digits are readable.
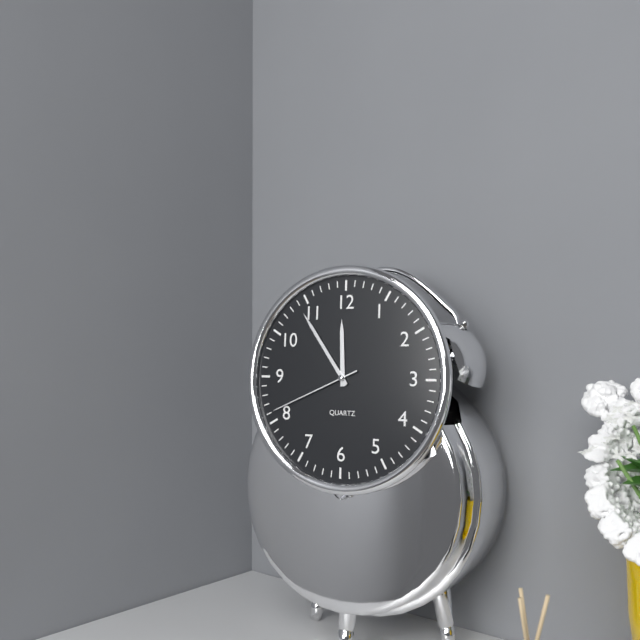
11:54:41
